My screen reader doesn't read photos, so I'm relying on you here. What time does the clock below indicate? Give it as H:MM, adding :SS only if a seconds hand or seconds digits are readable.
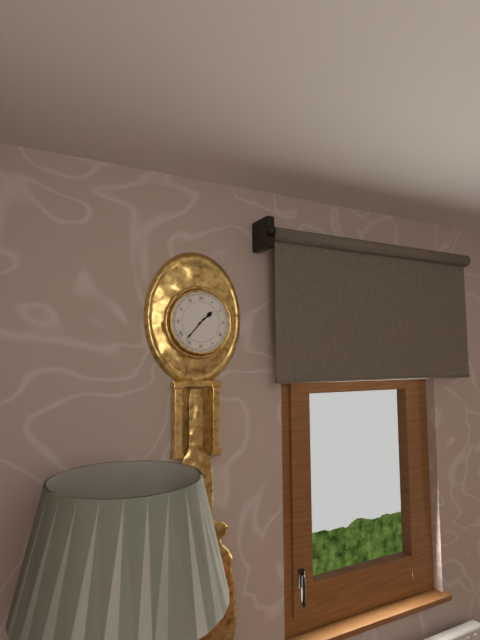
1:37
